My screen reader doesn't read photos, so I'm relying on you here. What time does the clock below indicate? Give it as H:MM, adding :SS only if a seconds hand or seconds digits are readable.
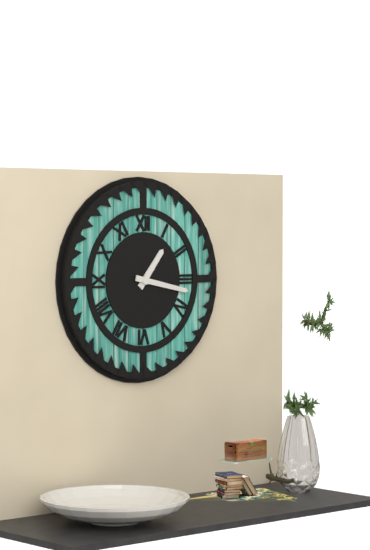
1:17
